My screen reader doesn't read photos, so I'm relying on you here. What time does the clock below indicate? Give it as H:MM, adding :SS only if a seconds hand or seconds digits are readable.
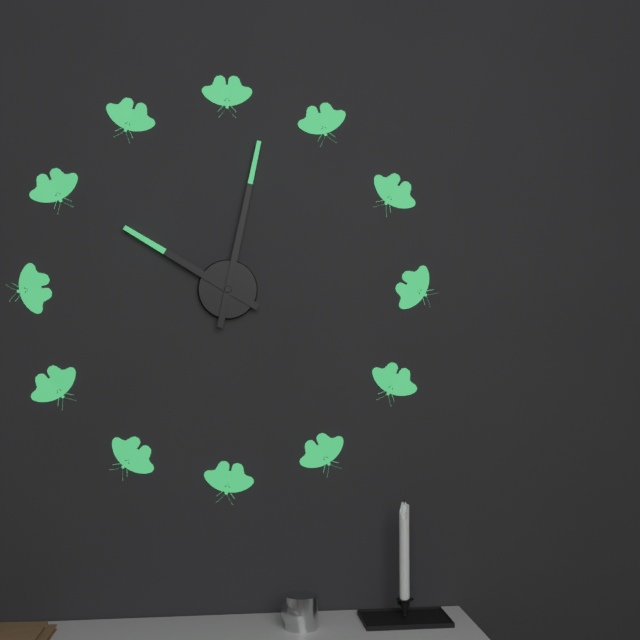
10:02
